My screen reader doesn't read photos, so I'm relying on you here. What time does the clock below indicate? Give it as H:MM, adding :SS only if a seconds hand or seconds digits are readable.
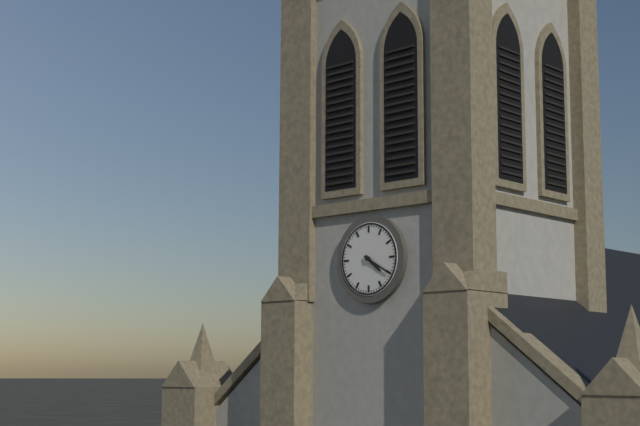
4:20
